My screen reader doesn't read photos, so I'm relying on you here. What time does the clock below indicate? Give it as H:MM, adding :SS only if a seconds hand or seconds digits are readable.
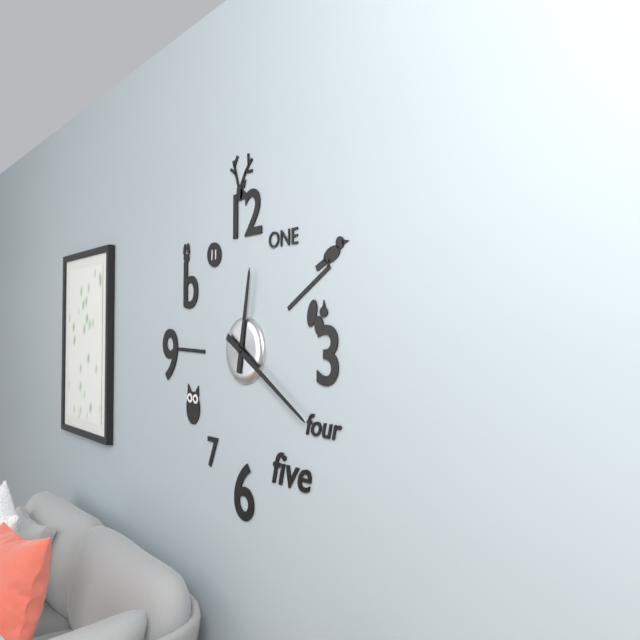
12:20
